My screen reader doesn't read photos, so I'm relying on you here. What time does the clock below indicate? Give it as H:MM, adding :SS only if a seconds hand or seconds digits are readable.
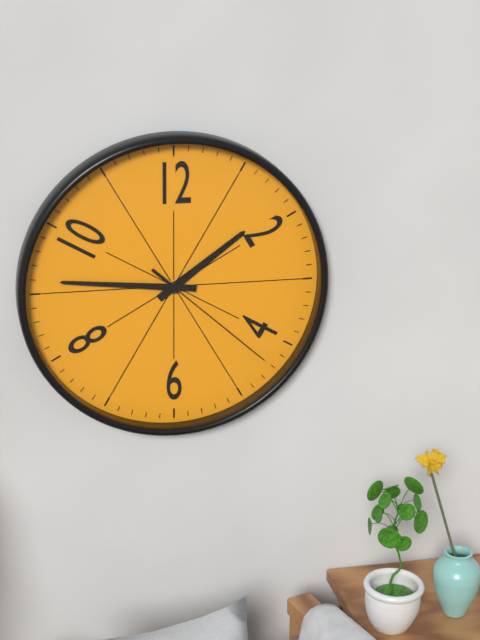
1:46:22
